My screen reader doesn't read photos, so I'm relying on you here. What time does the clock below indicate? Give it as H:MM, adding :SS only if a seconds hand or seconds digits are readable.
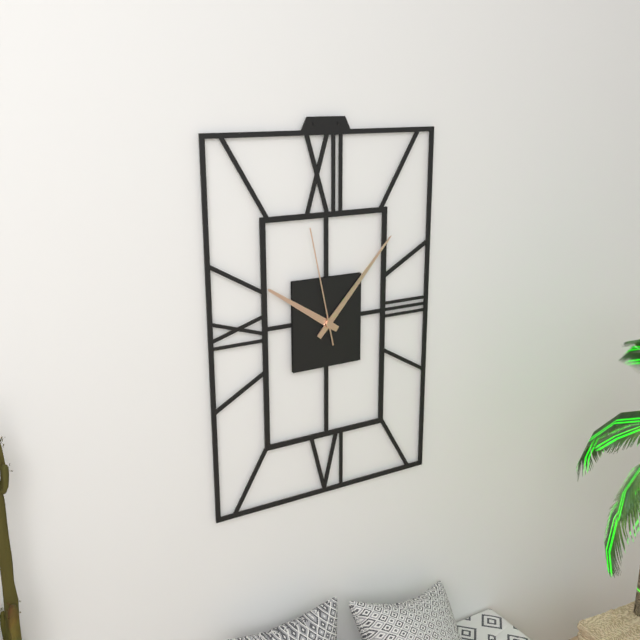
10:07:58
